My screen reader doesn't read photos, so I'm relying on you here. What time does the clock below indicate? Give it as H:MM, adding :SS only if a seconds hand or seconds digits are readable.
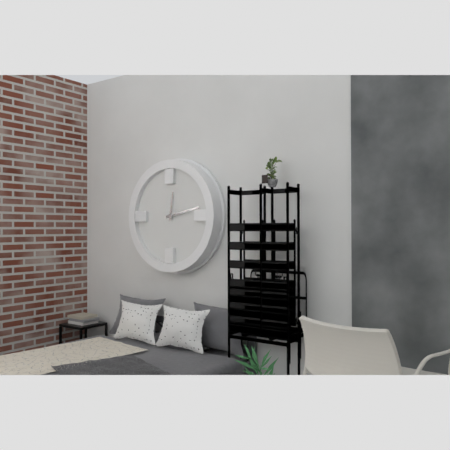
12:13
